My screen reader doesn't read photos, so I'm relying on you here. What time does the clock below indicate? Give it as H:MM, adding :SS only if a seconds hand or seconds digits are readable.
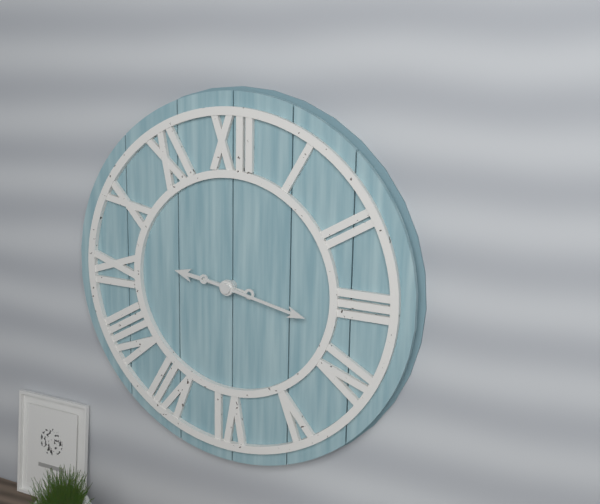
9:17
